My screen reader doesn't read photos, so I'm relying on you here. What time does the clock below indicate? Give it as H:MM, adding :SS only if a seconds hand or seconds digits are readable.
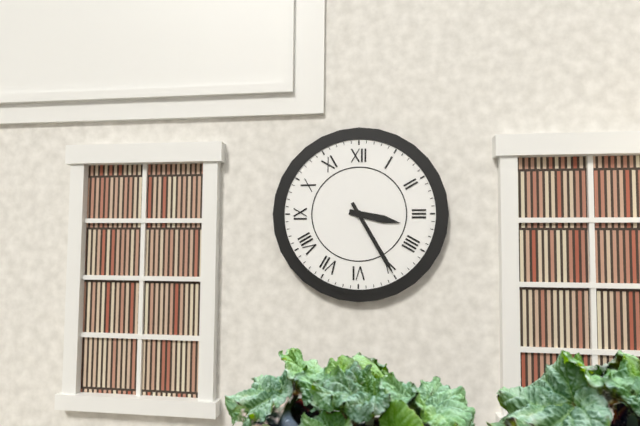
3:25
